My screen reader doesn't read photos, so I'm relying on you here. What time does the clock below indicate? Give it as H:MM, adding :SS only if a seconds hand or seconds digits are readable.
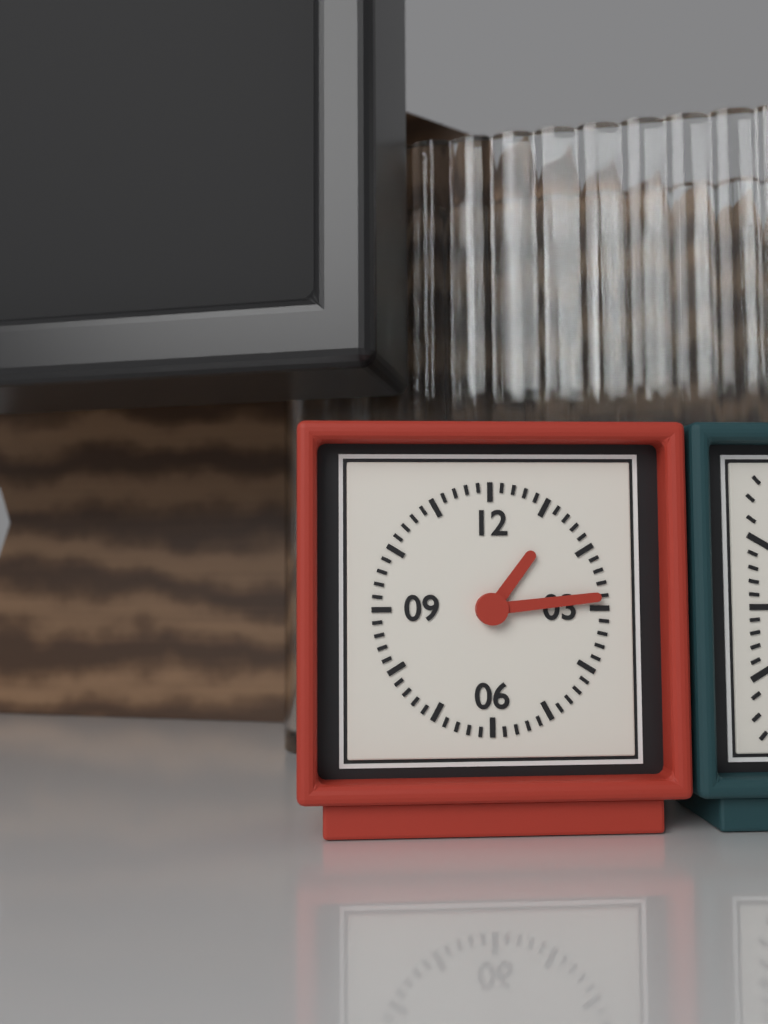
1:14
